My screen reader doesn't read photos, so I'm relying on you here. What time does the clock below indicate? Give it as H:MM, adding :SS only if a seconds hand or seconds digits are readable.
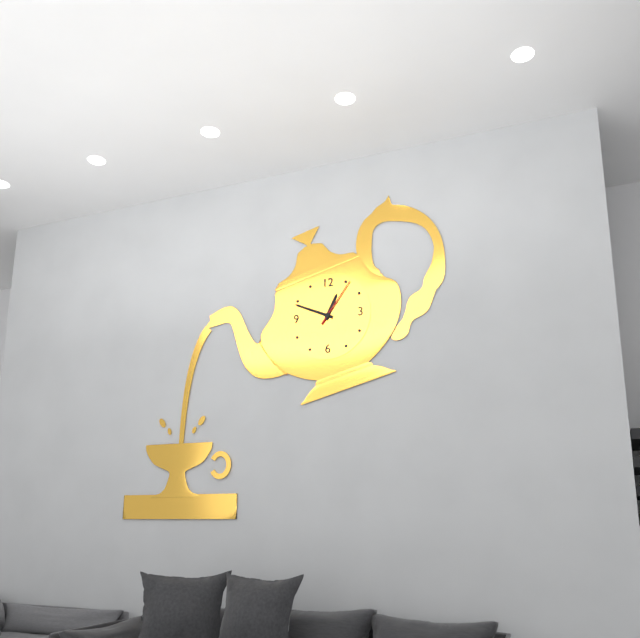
12:49:06
